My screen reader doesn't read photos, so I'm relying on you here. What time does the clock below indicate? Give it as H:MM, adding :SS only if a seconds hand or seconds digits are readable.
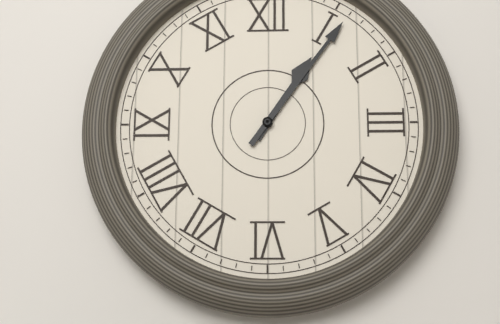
1:06
